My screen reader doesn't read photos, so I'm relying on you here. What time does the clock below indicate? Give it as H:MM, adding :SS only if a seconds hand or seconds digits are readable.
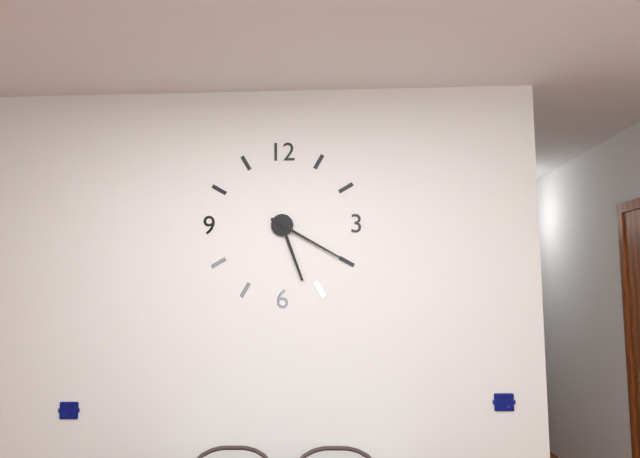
5:20
